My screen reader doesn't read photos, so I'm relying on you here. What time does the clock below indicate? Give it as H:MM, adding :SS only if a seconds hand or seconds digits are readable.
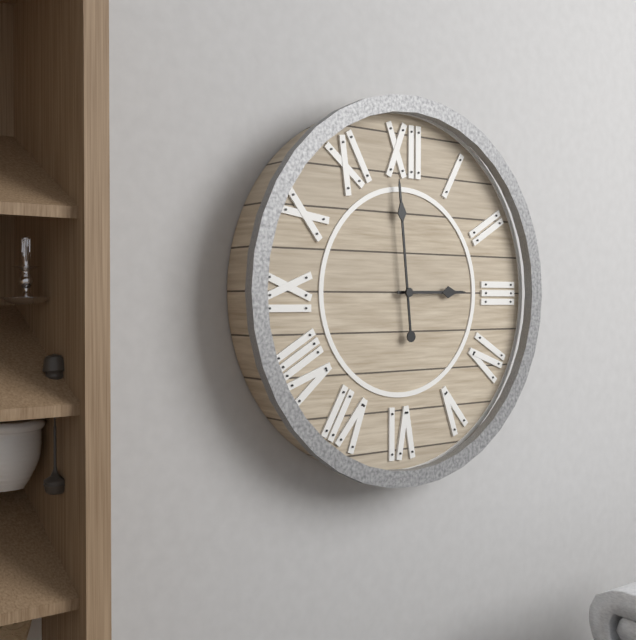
2:59
